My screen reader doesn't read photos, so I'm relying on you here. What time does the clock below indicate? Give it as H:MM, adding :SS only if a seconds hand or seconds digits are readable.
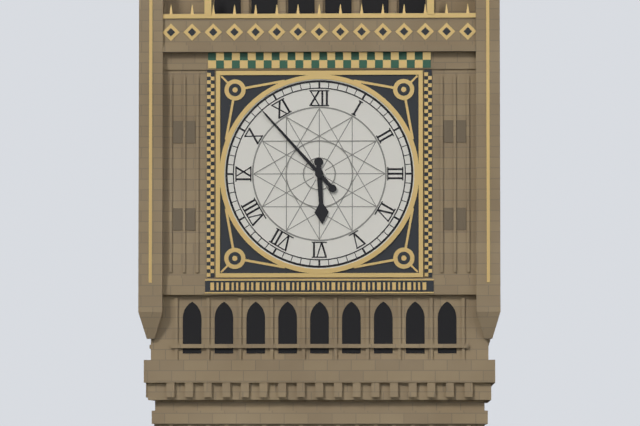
5:53
